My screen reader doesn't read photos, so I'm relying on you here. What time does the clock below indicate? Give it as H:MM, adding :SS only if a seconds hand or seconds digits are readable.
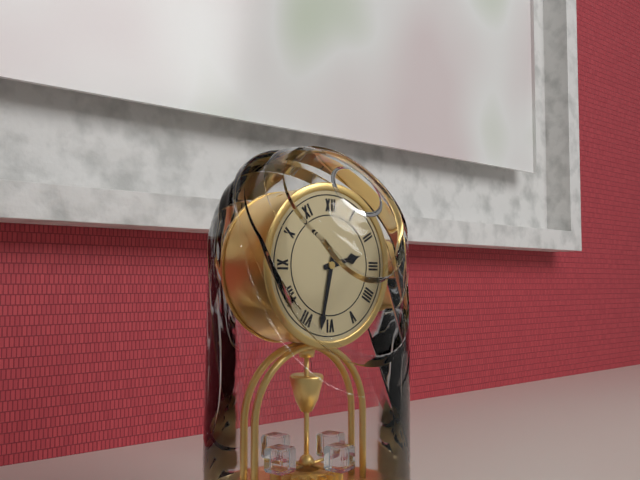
2:32
